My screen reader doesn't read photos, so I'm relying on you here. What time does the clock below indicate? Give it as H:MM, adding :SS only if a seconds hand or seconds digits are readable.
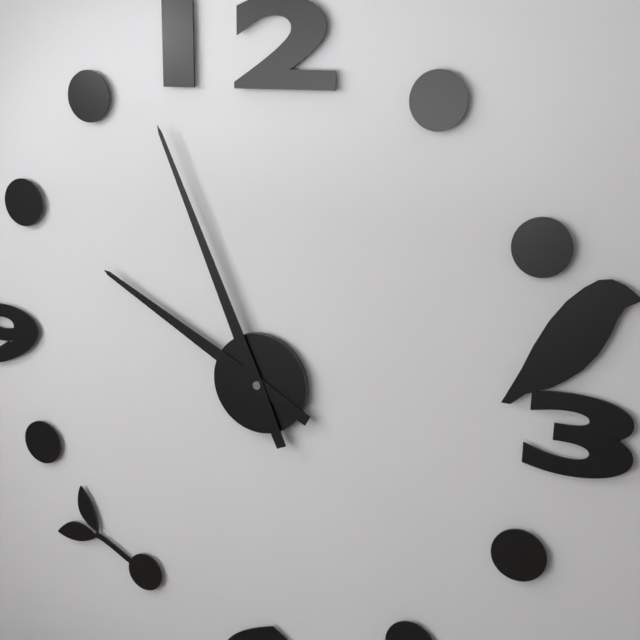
9:56
